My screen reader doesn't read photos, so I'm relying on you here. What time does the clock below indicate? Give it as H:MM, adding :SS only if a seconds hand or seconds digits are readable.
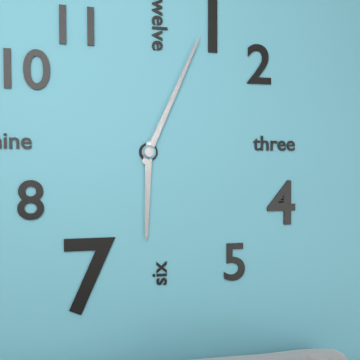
6:04
